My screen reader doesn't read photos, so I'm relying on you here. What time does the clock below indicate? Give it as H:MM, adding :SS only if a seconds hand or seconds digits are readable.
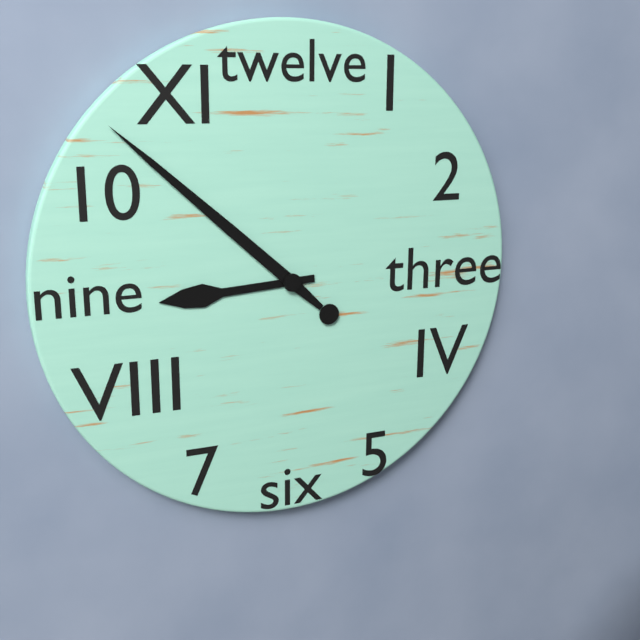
8:52
